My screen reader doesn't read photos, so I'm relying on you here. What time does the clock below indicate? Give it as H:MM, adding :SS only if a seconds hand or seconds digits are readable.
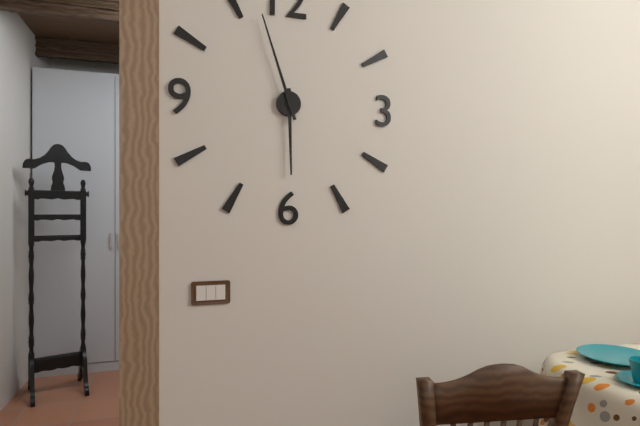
5:57
